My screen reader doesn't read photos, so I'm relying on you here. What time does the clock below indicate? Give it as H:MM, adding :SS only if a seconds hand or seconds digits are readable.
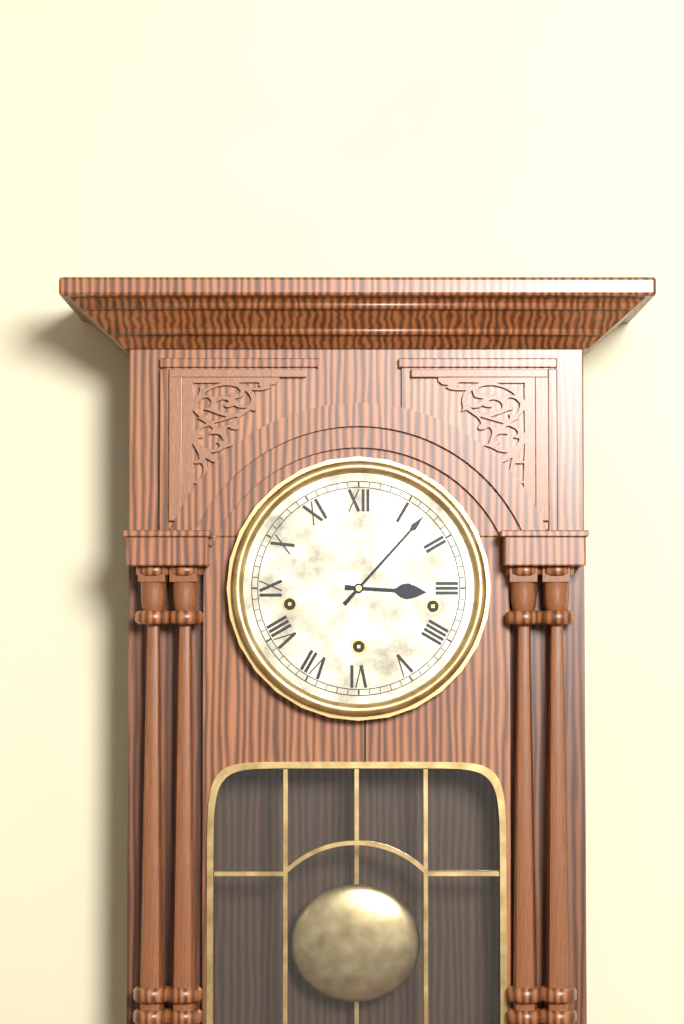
3:07
